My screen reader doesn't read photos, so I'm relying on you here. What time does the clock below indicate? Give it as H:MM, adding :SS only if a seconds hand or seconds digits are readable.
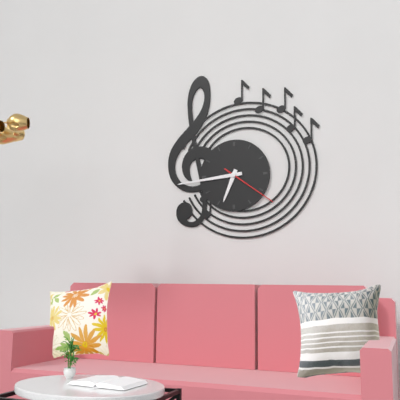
6:44:21
